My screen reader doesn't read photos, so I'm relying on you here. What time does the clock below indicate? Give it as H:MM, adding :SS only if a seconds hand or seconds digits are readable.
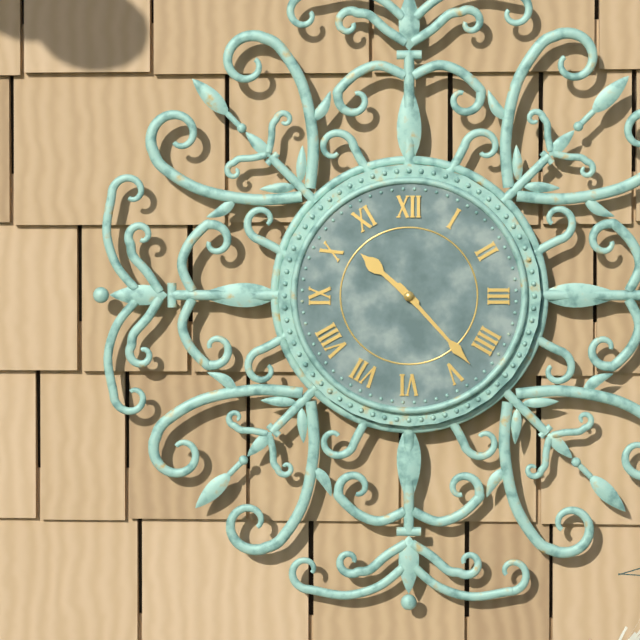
10:23
